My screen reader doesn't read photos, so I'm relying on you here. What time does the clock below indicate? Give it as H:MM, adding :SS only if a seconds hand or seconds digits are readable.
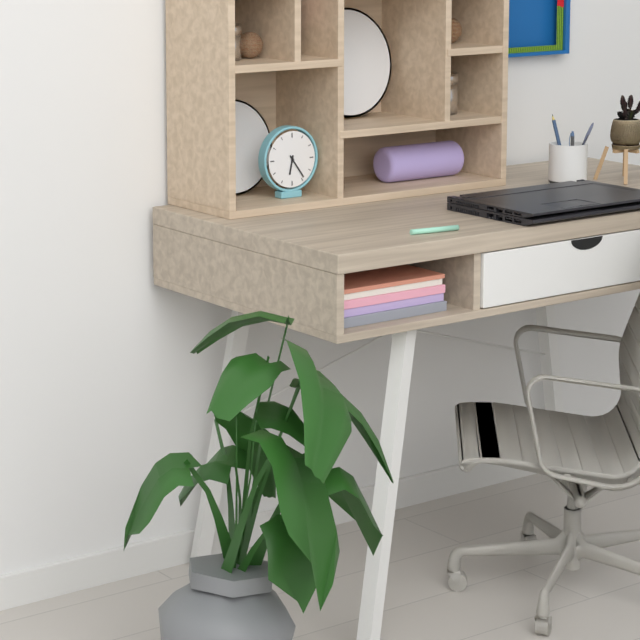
6:24
